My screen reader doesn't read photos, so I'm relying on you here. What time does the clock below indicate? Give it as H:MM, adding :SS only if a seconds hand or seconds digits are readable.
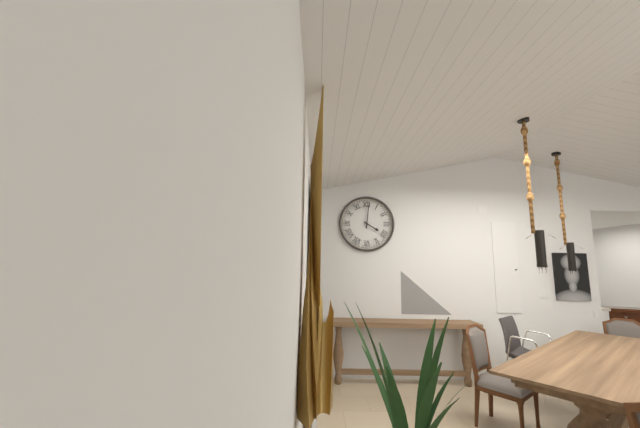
4:01
